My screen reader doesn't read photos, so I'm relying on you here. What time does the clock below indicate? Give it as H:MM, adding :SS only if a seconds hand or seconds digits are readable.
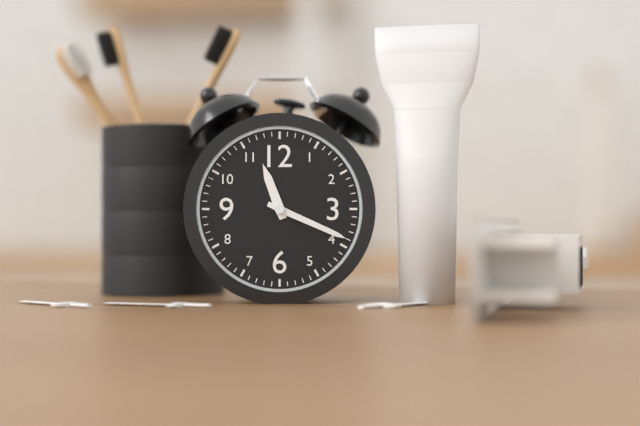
11:19
